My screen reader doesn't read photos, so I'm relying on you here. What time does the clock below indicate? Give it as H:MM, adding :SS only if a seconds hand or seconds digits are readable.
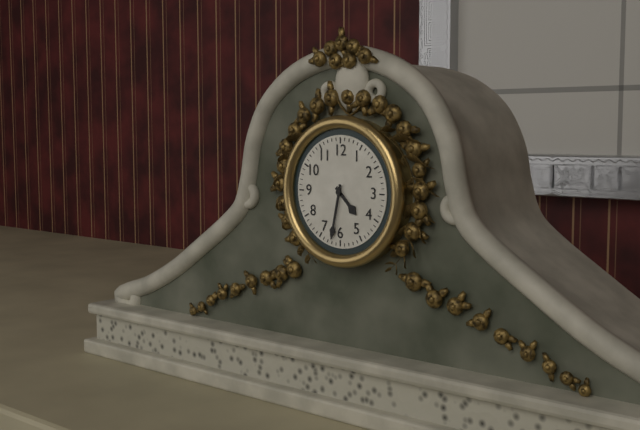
4:32
